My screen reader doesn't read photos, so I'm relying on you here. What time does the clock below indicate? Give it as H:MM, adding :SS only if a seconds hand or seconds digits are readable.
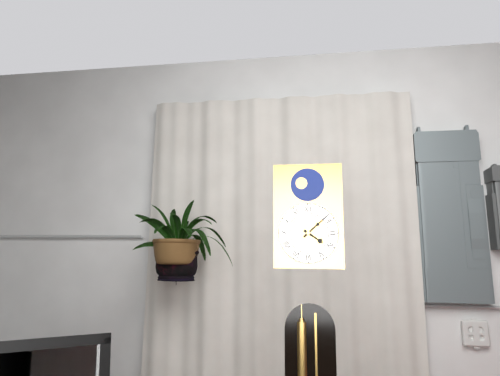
4:08
